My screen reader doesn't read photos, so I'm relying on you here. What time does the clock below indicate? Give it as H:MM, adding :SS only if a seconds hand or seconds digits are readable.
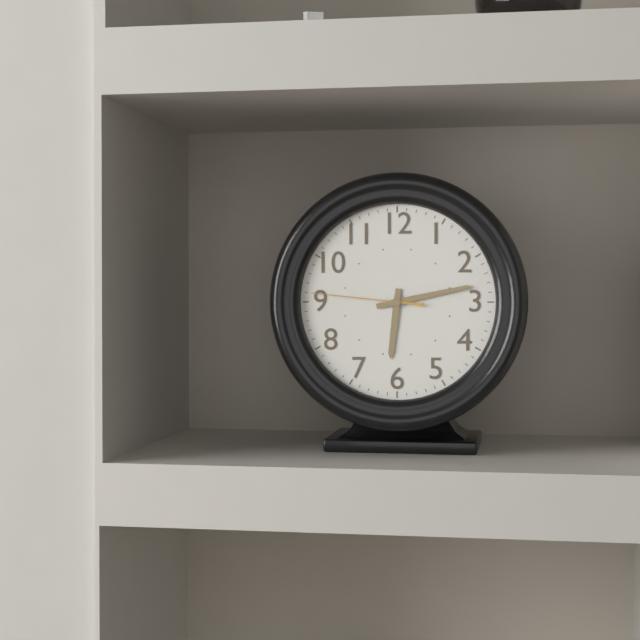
6:13:46
